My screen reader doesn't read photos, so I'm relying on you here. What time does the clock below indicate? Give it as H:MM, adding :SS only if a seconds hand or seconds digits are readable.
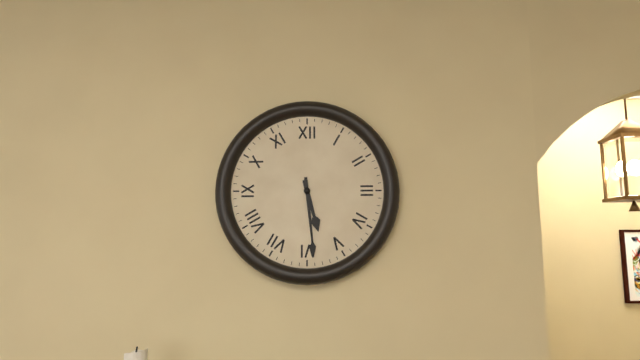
5:29
